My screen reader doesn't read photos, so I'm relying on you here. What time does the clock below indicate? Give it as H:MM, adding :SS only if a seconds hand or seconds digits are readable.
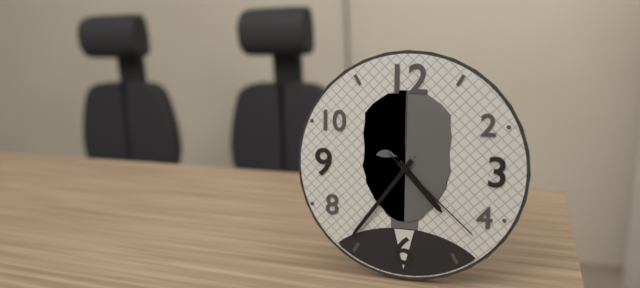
4:36:22
